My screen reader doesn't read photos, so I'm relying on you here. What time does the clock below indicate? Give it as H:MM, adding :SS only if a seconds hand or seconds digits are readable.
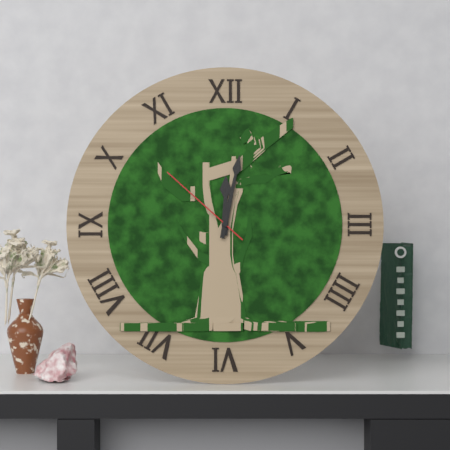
12:02:52
